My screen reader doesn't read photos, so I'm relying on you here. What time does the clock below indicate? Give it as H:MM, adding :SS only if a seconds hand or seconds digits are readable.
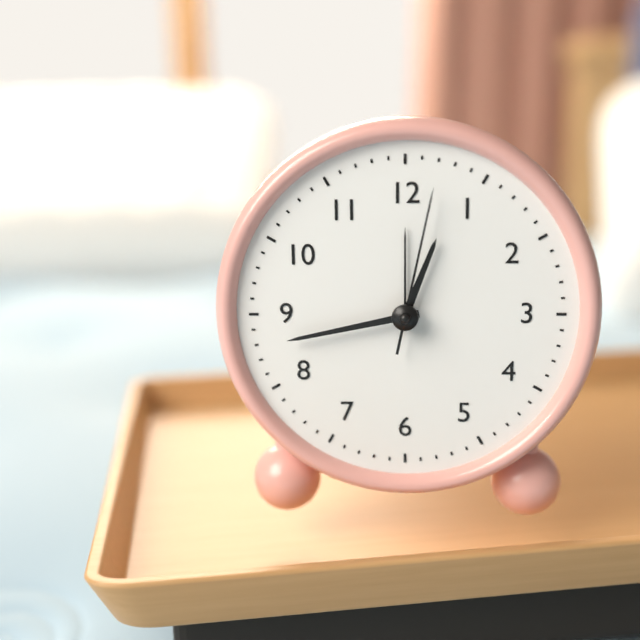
12:43:02
